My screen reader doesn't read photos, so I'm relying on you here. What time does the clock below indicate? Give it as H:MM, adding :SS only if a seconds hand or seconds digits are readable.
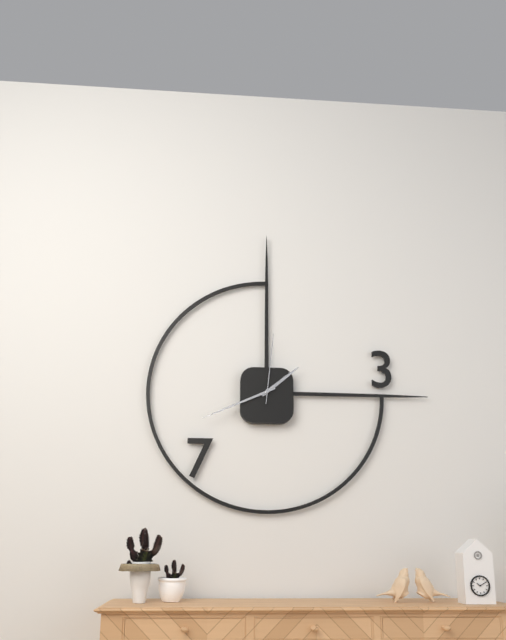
1:41:01
